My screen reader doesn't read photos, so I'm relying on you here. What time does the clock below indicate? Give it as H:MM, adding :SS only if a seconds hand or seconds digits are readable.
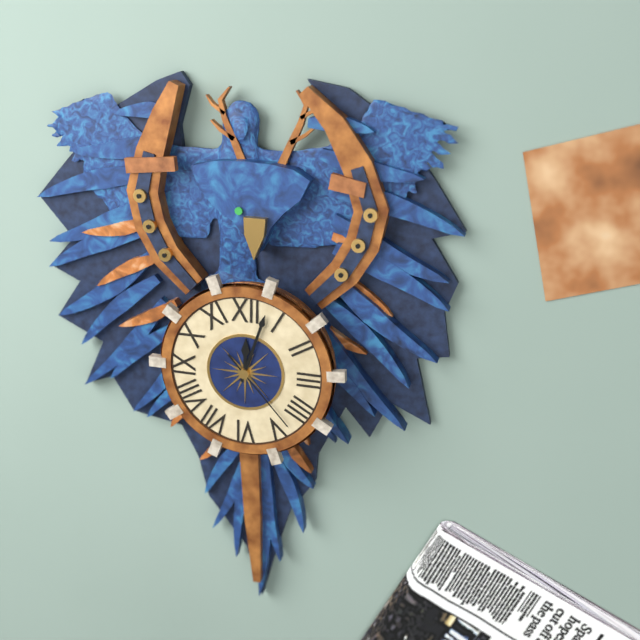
12:03:23
